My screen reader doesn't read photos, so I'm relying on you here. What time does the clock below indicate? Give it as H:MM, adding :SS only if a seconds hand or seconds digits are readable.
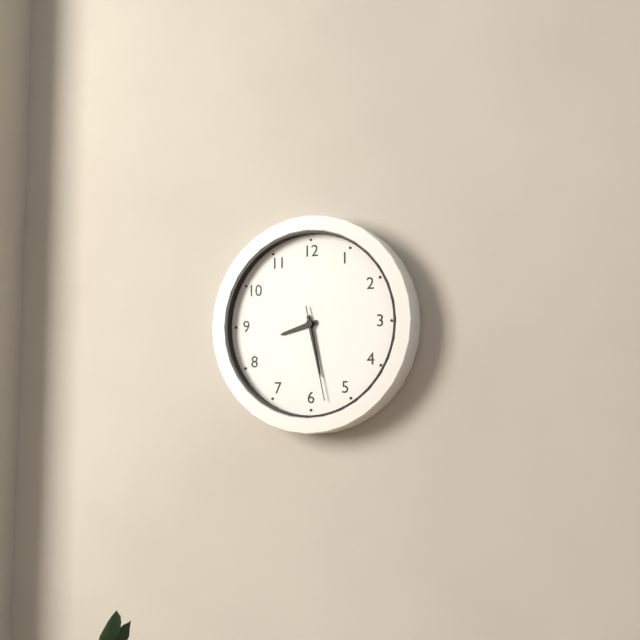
8:28:28
